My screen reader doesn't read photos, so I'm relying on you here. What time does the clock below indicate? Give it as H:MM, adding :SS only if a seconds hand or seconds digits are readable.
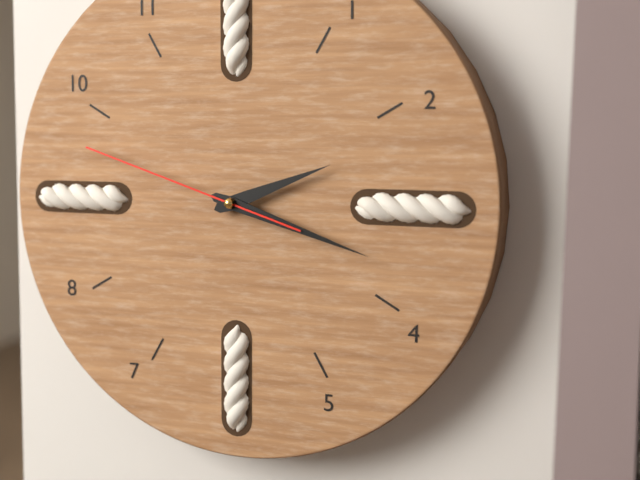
2:18:48
